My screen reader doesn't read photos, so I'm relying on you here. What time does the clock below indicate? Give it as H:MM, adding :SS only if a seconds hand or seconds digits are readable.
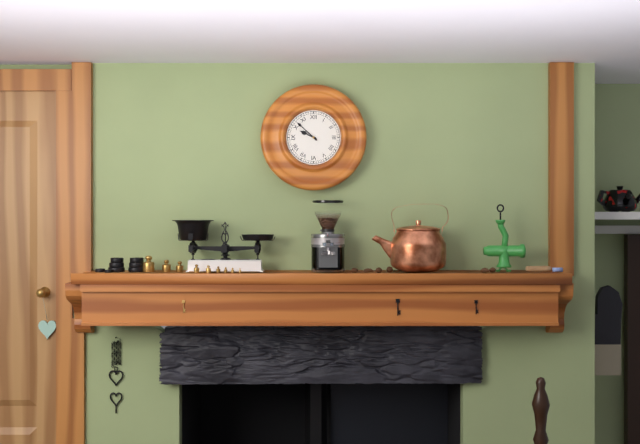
9:52
